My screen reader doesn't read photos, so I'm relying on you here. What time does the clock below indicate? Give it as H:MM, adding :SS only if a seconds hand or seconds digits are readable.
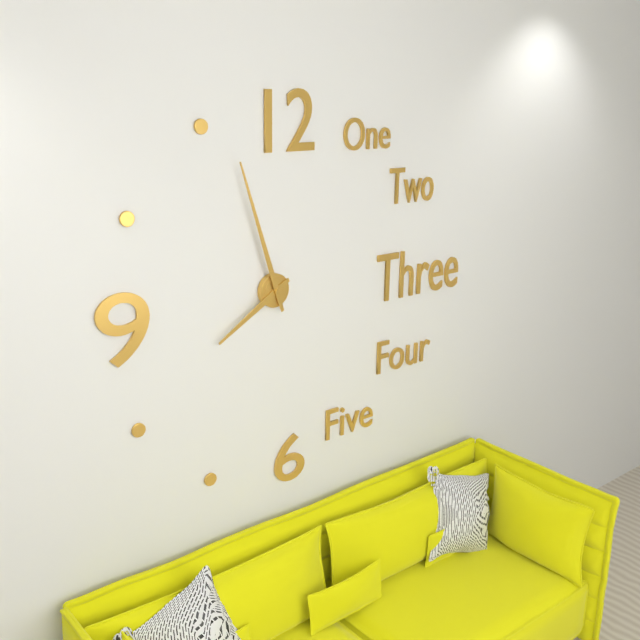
7:57
